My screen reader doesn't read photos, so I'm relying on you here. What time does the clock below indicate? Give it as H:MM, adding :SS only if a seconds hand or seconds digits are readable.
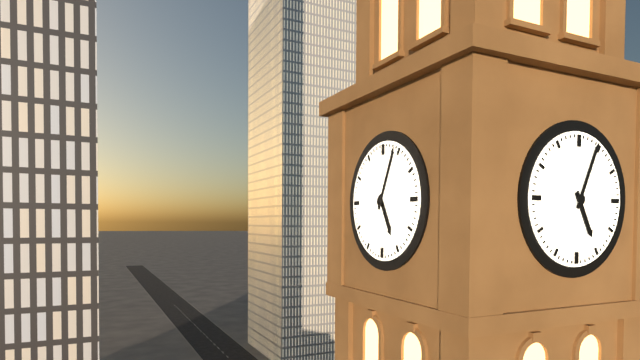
5:04
